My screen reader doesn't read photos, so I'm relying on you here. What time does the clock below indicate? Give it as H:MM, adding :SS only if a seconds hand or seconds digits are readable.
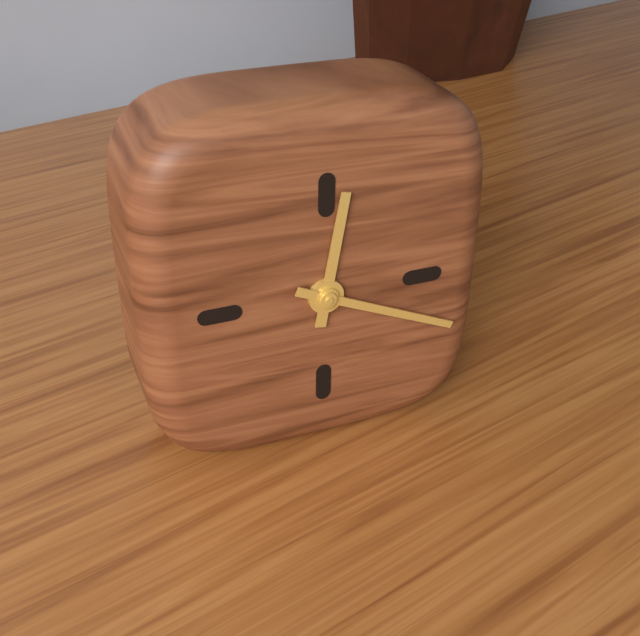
12:19
